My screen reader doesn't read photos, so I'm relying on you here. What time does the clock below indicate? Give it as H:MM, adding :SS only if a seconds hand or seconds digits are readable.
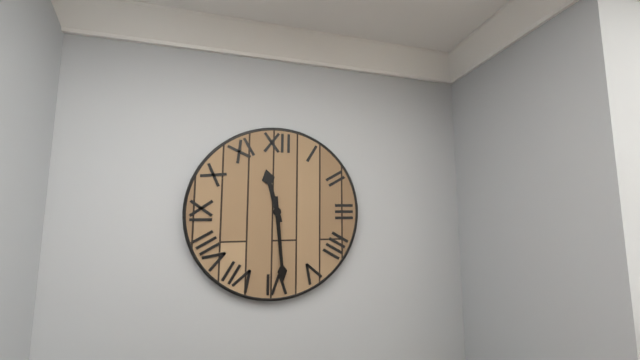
11:29
